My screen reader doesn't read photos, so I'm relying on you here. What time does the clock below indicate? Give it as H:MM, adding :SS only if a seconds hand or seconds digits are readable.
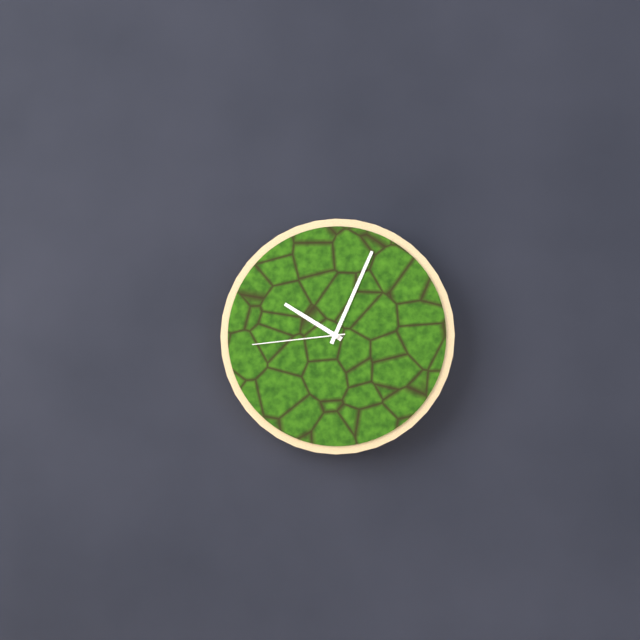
10:04:44
